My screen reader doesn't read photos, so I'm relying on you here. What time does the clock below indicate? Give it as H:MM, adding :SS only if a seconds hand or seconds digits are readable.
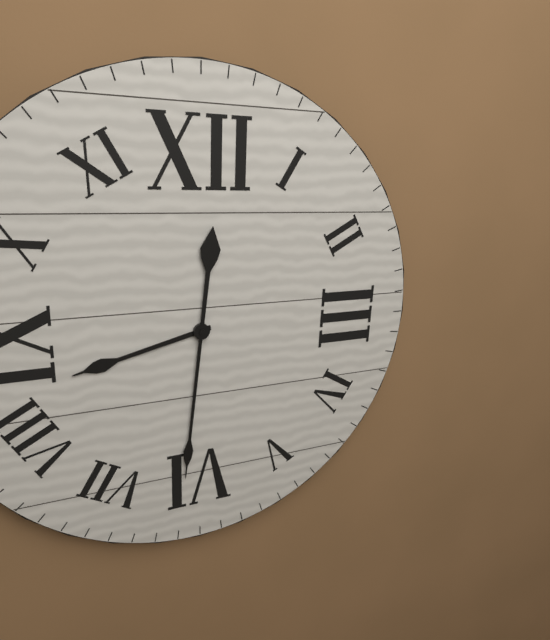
8:31
